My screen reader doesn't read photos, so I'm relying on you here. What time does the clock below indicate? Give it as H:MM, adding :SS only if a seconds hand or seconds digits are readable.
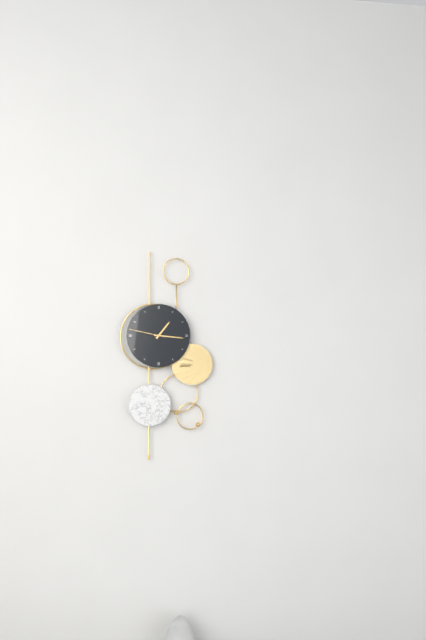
1:16
